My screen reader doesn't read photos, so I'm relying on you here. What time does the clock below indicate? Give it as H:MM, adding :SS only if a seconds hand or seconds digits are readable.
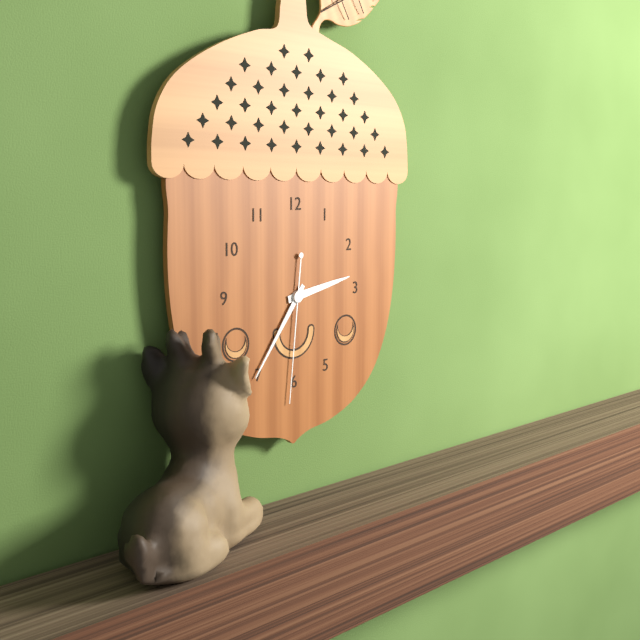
2:36:31
